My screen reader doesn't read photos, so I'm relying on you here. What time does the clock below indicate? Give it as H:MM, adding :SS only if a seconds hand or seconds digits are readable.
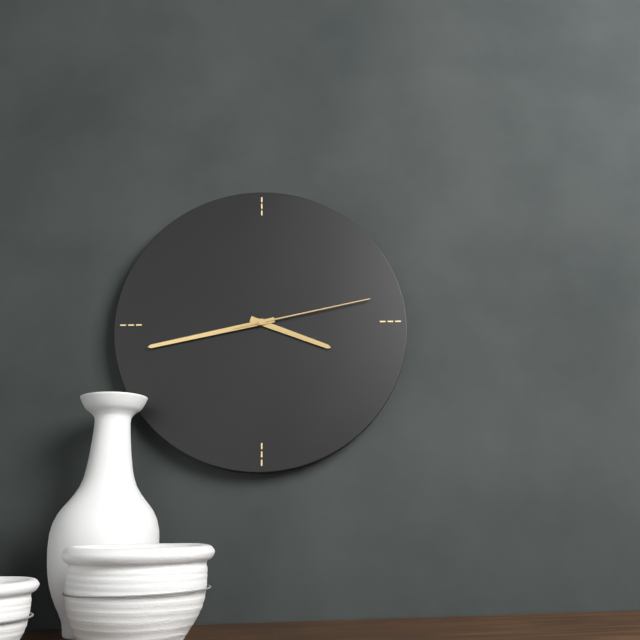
3:43:13
